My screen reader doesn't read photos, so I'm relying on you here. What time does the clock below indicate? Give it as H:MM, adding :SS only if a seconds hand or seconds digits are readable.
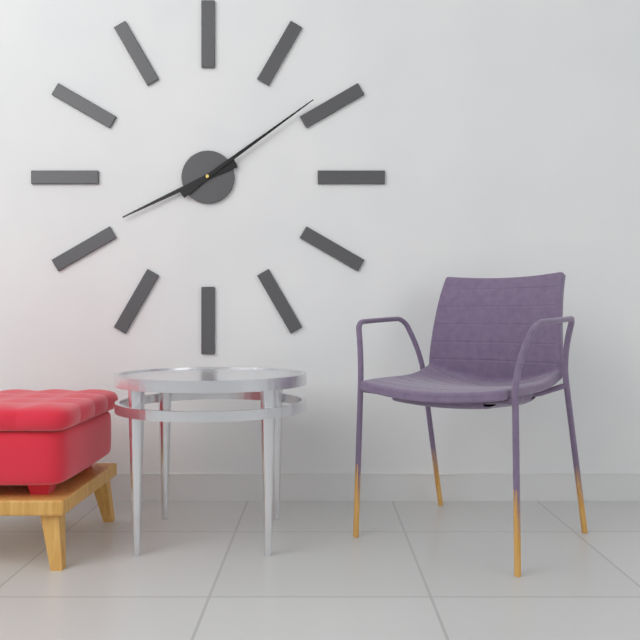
8:09
